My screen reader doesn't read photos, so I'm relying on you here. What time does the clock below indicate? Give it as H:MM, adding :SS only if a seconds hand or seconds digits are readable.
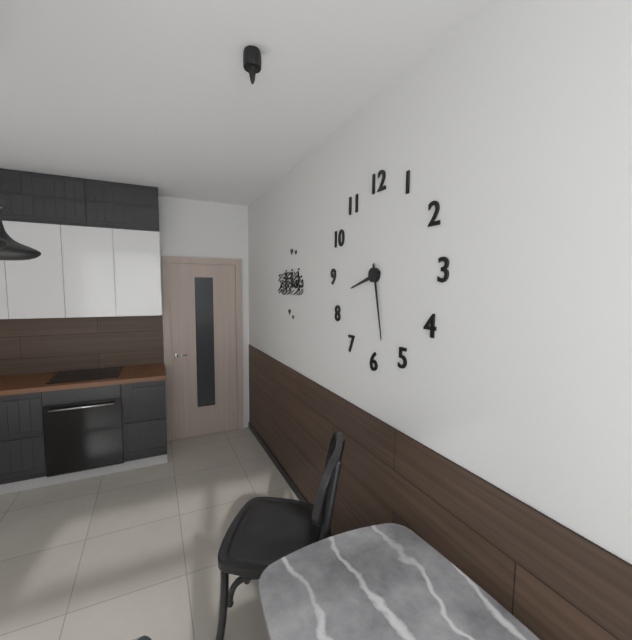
8:28
